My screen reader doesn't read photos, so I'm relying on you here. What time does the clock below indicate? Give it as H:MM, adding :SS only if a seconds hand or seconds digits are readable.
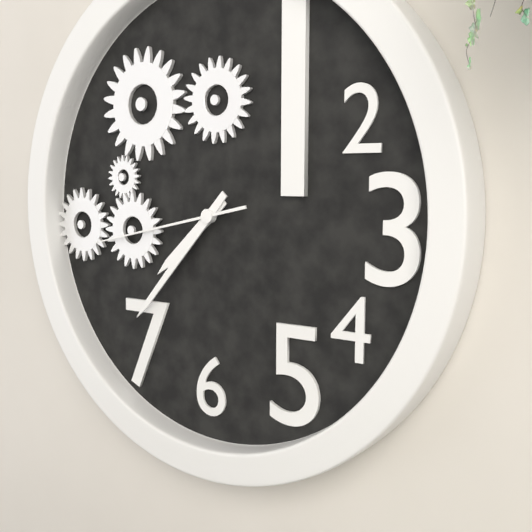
7:37:43
